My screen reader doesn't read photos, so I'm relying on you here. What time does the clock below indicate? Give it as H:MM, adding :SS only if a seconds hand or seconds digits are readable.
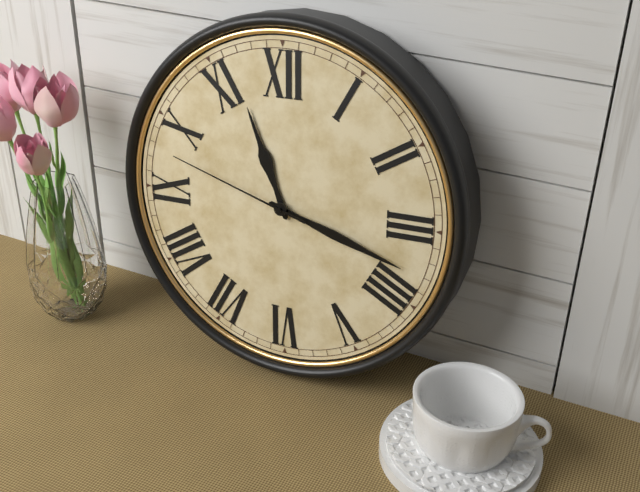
11:18:48
